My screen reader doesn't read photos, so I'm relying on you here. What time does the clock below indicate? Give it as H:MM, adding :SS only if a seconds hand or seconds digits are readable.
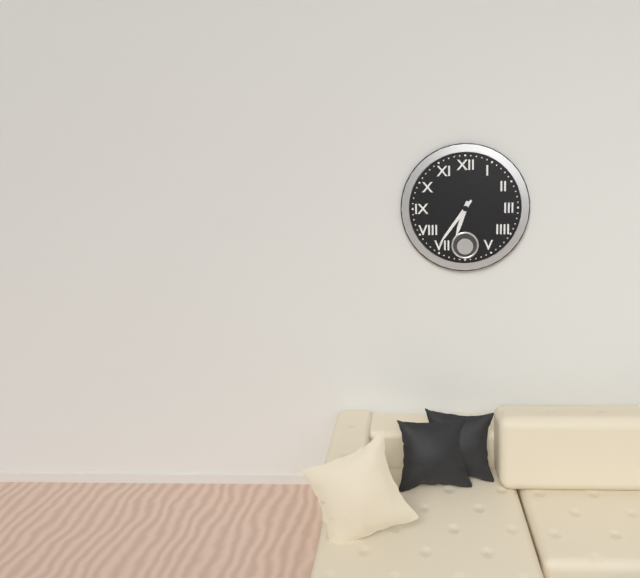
6:36
